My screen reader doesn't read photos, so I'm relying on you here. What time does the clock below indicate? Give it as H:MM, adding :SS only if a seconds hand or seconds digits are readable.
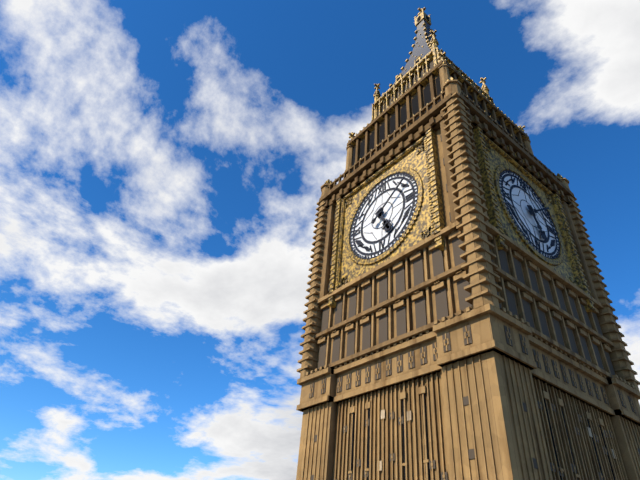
5:09
